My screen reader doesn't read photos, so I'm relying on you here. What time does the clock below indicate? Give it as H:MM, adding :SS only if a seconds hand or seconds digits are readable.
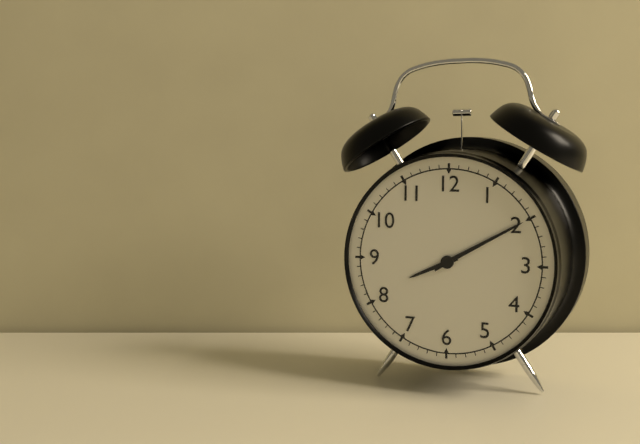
8:10
